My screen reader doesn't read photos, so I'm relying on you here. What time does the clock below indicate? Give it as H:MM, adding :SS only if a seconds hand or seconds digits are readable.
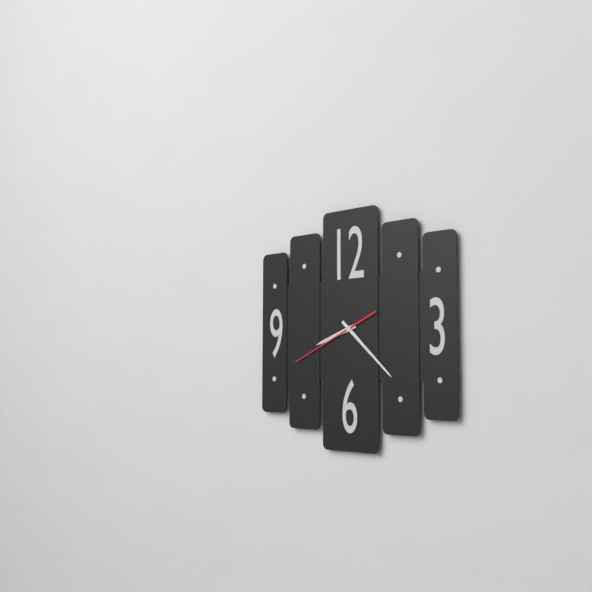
8:22:41
